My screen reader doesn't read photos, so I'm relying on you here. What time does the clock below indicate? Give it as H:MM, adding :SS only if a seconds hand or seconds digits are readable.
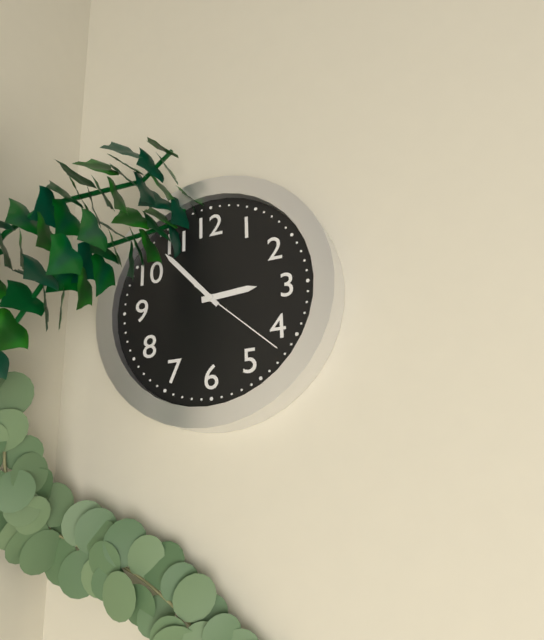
2:53:22
